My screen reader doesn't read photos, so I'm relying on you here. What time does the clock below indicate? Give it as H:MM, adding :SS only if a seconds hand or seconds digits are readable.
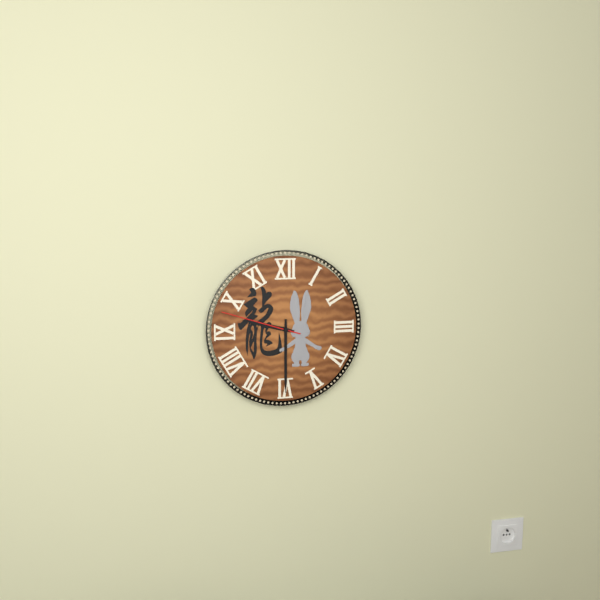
9:30:48
